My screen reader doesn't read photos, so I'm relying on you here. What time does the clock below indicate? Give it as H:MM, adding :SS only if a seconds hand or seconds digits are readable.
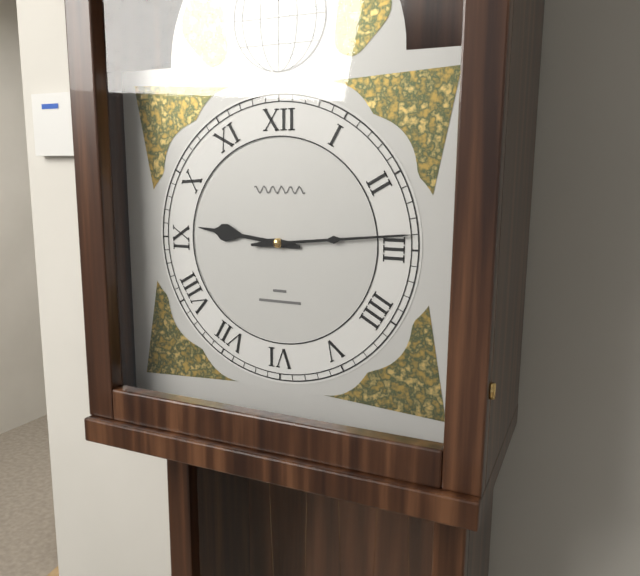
9:14
